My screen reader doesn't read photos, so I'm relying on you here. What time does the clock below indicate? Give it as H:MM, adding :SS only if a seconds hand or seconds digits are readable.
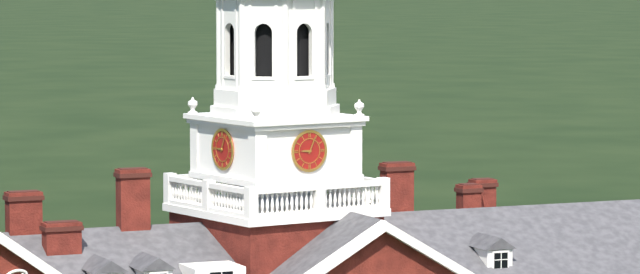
9:04
